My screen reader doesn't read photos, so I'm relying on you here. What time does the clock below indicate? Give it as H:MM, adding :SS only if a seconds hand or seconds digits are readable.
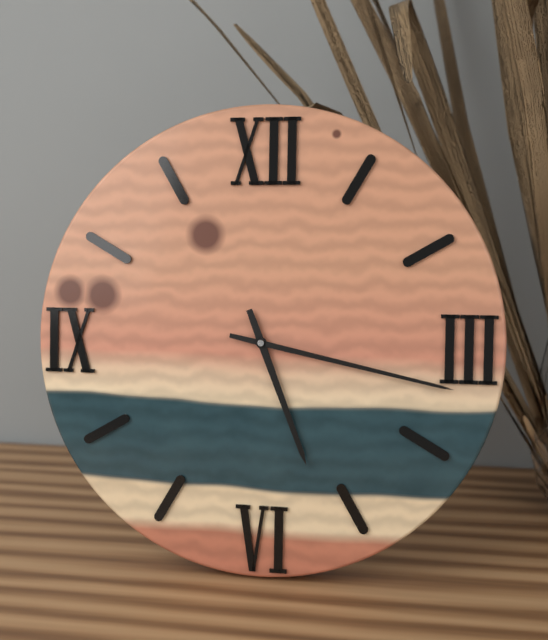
5:17
